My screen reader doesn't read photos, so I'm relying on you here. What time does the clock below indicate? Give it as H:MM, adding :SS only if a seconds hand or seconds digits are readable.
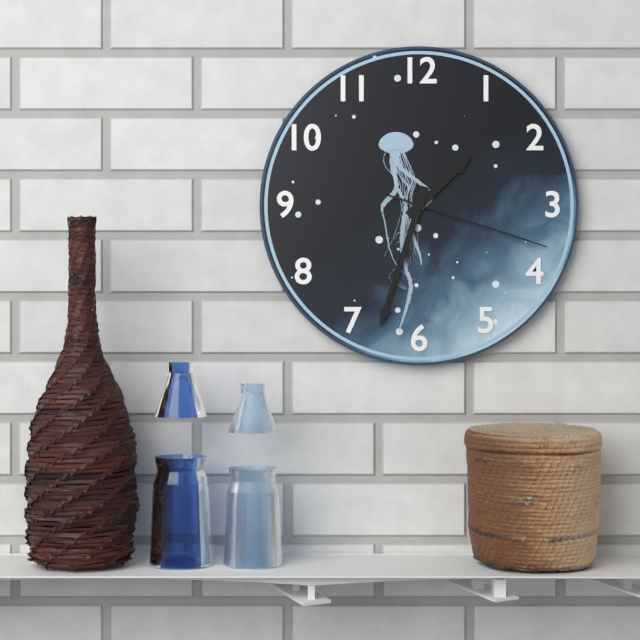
1:33:18
